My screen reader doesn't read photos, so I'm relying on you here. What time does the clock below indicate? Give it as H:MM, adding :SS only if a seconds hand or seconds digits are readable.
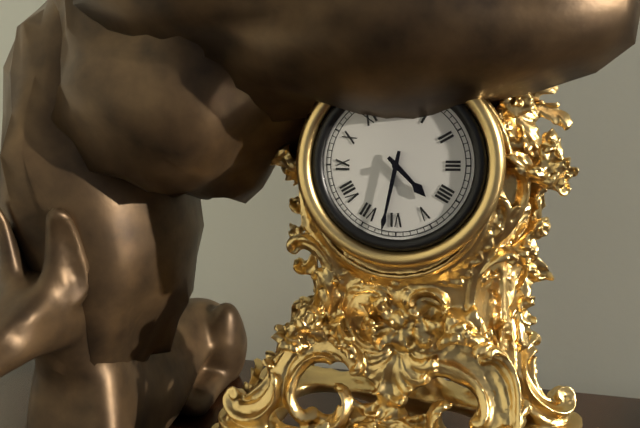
4:32
